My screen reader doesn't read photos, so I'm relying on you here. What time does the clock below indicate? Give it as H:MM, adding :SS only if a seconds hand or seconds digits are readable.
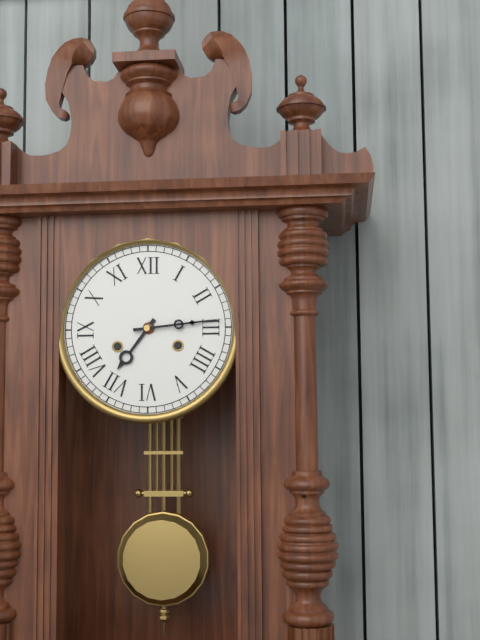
7:14
